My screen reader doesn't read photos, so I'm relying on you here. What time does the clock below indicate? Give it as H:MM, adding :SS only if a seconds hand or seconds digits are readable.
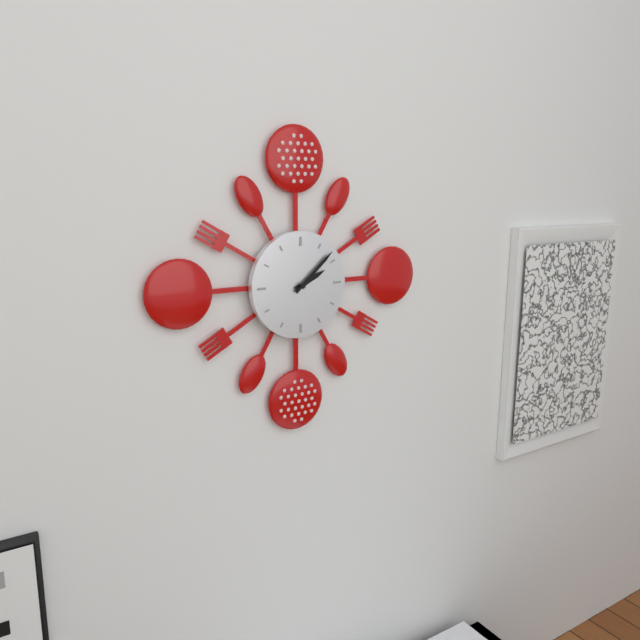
2:08
